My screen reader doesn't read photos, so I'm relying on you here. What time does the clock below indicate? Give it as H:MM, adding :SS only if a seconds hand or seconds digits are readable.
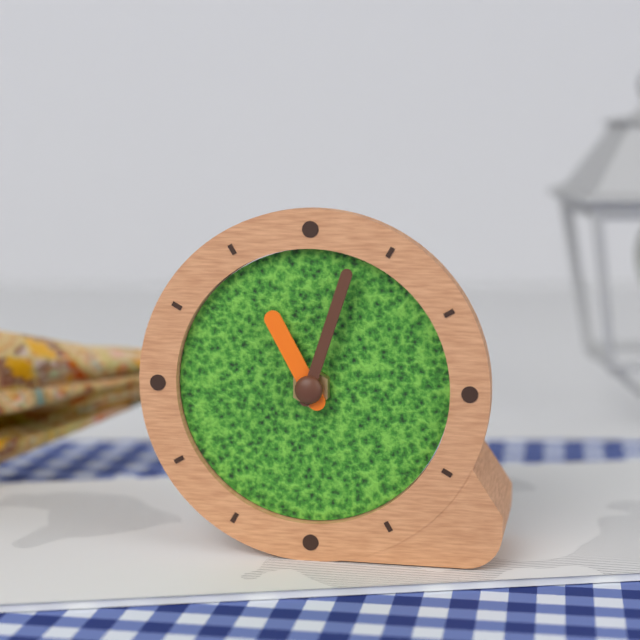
11:03
